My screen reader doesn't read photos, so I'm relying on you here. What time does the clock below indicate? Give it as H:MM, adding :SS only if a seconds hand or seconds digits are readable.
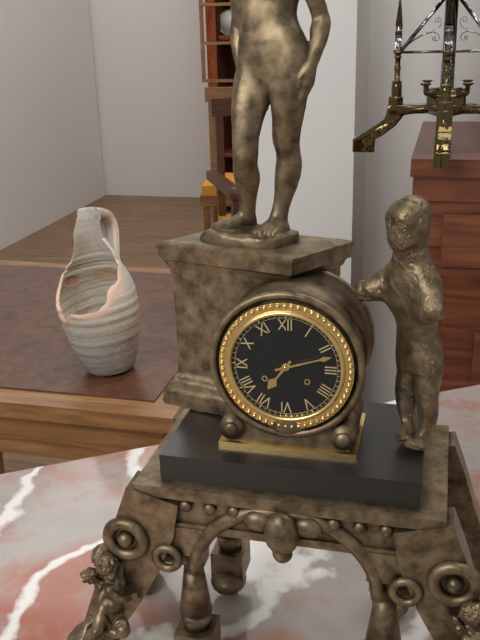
7:12
